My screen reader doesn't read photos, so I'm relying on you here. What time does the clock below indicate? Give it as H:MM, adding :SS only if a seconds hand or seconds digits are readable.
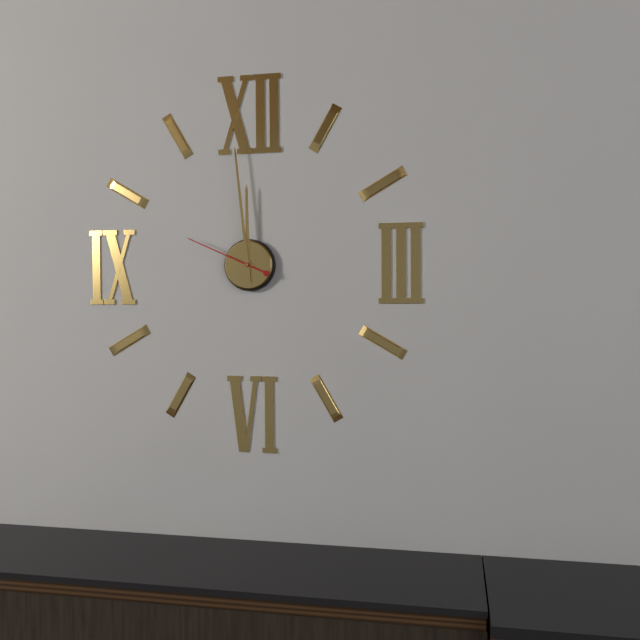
11:59:49
